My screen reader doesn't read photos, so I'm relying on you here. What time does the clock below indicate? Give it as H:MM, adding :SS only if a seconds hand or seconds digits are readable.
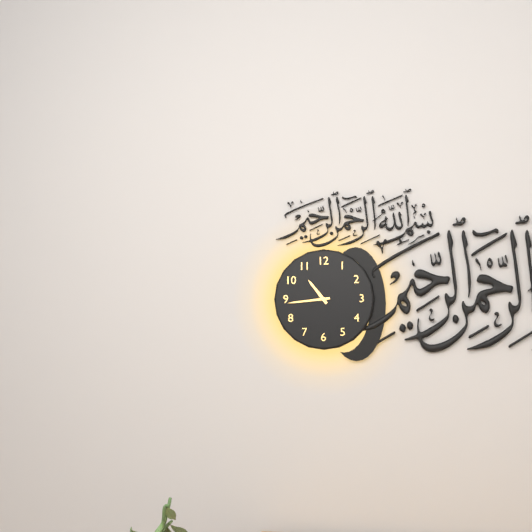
10:44
